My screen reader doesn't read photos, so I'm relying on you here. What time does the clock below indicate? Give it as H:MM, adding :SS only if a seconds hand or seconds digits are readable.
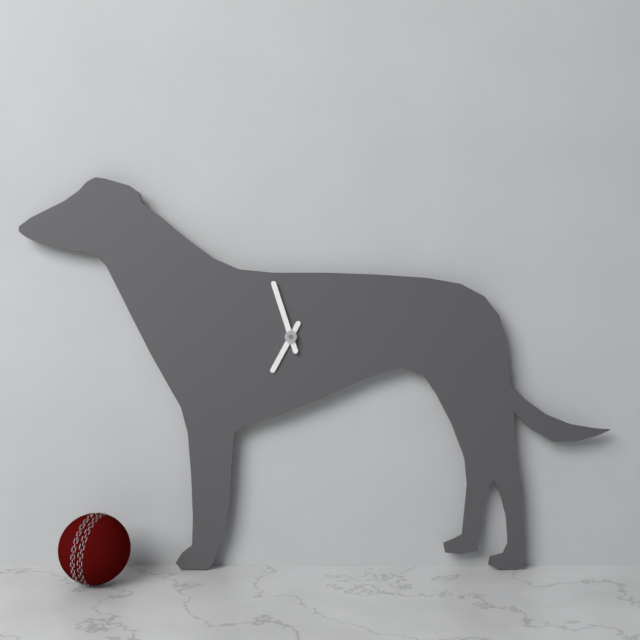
6:57
